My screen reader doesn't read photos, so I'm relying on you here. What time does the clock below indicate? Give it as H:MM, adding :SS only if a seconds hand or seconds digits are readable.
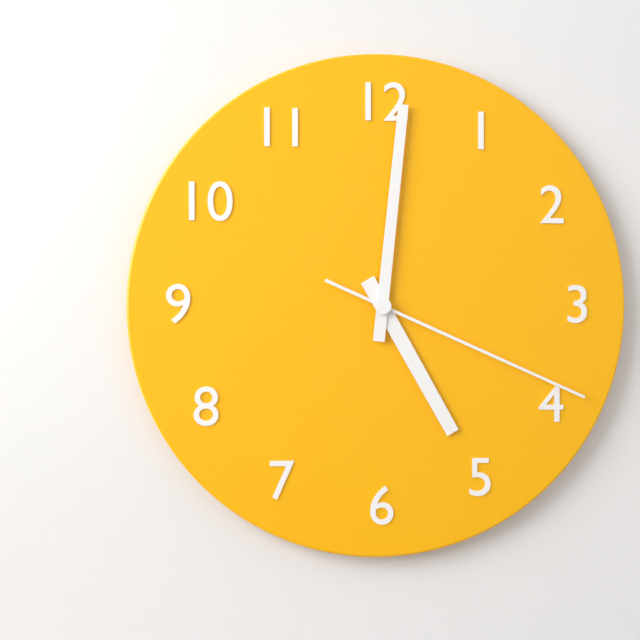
5:01:19
